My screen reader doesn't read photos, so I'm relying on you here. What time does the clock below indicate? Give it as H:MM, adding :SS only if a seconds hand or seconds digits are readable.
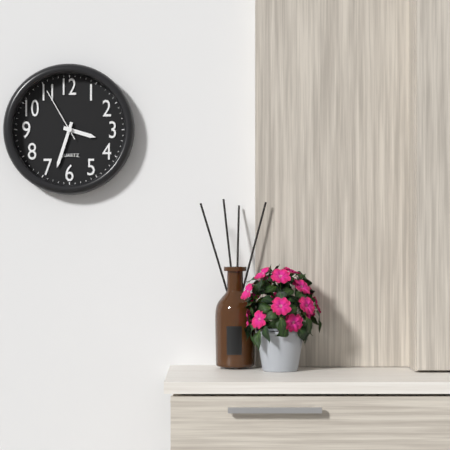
3:33:55
